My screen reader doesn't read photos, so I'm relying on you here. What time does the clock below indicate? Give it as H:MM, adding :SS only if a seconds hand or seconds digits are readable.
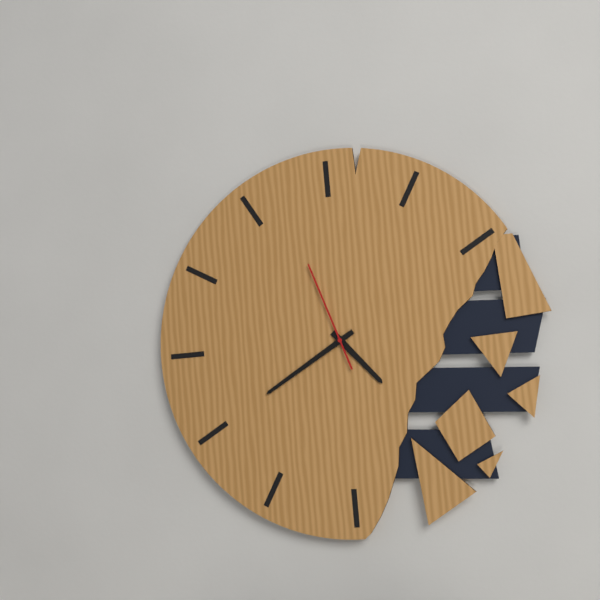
4:40:57
